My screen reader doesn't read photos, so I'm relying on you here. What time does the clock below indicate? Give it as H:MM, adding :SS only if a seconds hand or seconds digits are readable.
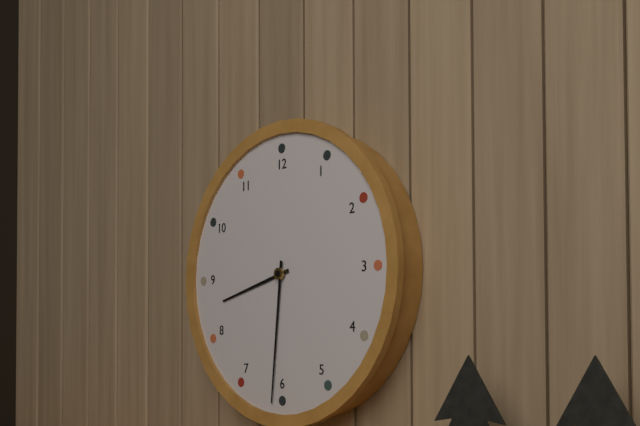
8:31
